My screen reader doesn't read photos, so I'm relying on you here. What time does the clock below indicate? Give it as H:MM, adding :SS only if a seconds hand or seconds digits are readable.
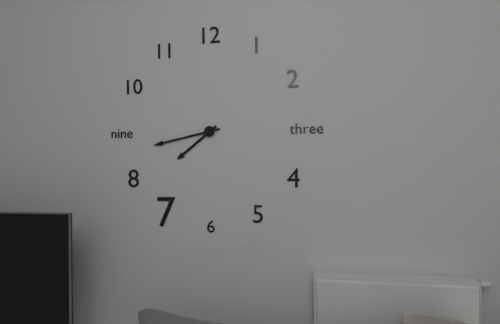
7:43
